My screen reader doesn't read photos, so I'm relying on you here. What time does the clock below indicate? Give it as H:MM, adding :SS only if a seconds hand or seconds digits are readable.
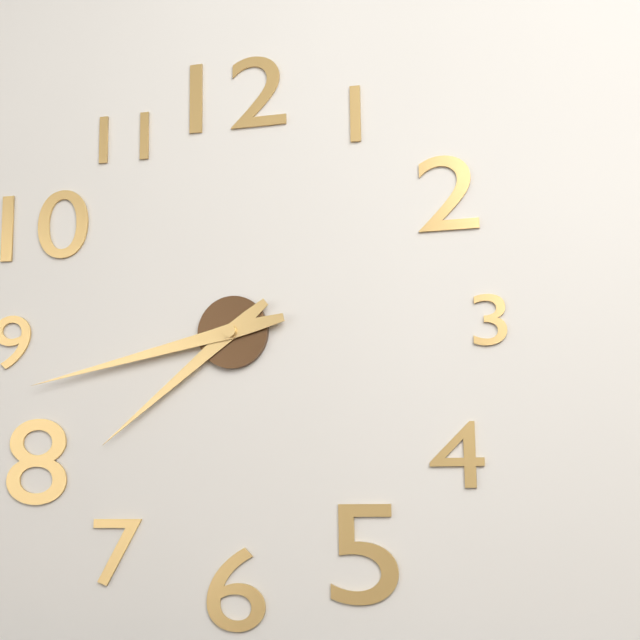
7:43
